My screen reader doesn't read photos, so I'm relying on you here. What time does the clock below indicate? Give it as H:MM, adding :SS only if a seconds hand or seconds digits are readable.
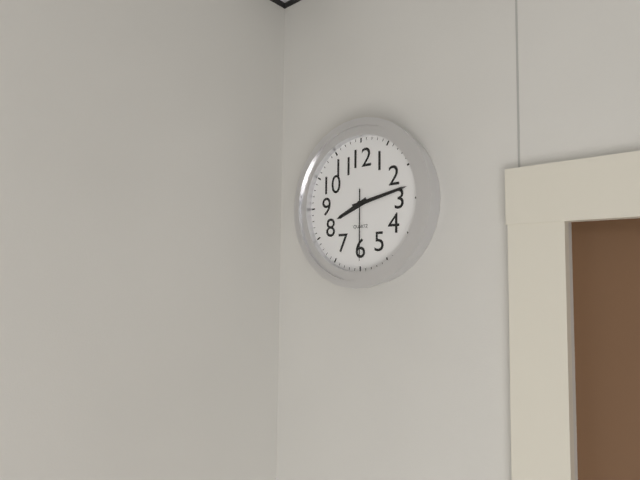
8:13:30
